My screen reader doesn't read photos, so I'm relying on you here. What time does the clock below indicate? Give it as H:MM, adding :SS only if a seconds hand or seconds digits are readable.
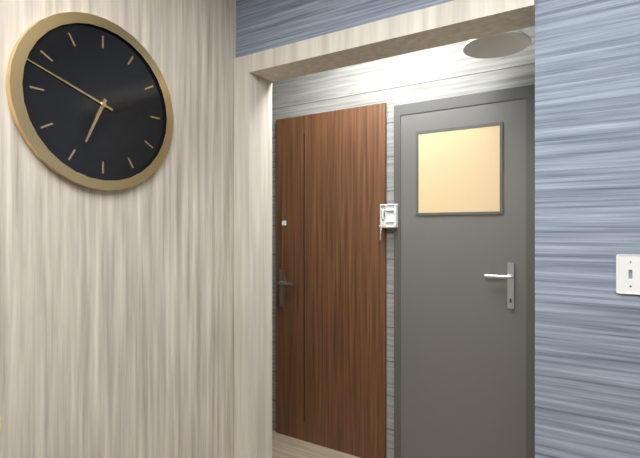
6:48
